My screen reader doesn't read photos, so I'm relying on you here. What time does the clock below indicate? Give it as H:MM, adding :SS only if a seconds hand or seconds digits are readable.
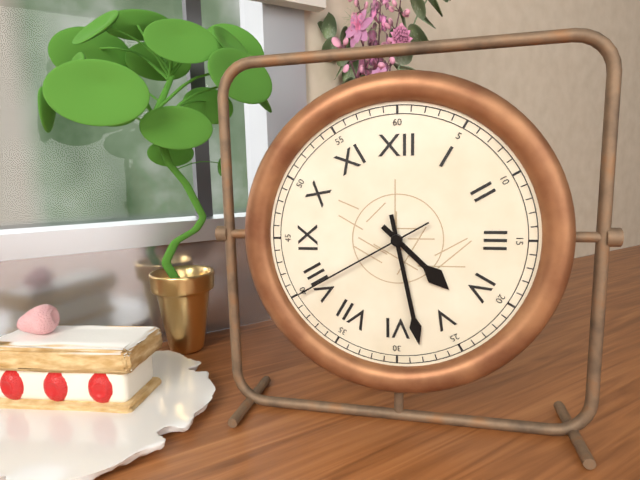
4:28:40
